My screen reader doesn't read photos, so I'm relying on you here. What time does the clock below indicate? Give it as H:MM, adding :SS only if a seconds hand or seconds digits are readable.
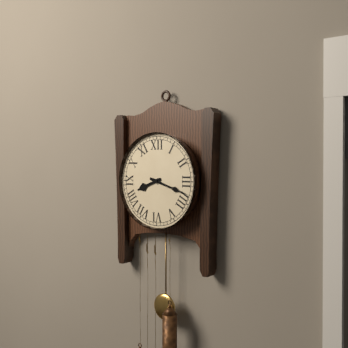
8:18
